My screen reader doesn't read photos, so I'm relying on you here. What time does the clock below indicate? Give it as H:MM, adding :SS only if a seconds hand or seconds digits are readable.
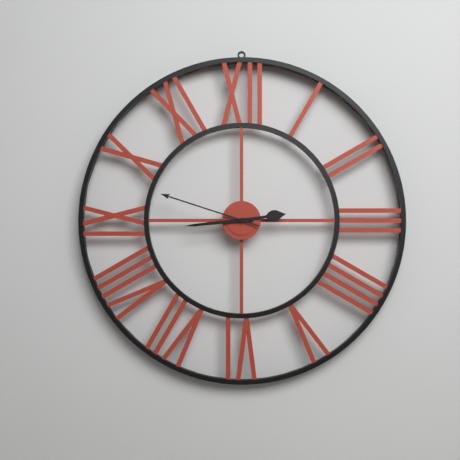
2:44:48
